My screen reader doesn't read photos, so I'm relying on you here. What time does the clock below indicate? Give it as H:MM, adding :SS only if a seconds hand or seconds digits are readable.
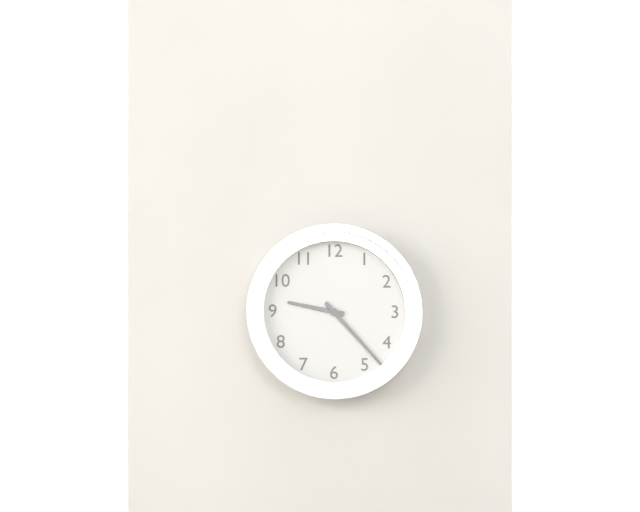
9:23
